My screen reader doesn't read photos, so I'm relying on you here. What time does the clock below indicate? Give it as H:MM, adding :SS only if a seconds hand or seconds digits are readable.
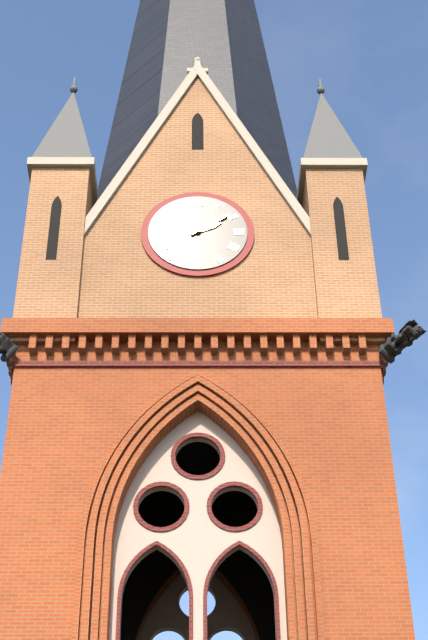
2:09
